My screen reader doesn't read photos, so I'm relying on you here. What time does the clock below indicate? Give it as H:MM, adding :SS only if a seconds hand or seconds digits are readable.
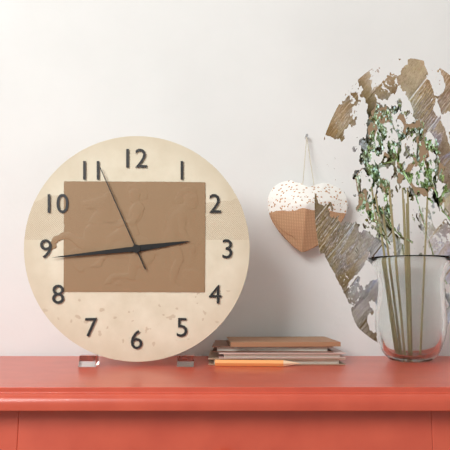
2:44:56
